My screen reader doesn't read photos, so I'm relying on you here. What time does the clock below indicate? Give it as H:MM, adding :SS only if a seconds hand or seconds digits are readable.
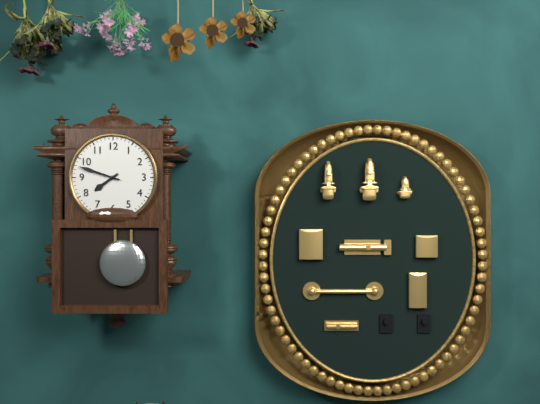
7:48
